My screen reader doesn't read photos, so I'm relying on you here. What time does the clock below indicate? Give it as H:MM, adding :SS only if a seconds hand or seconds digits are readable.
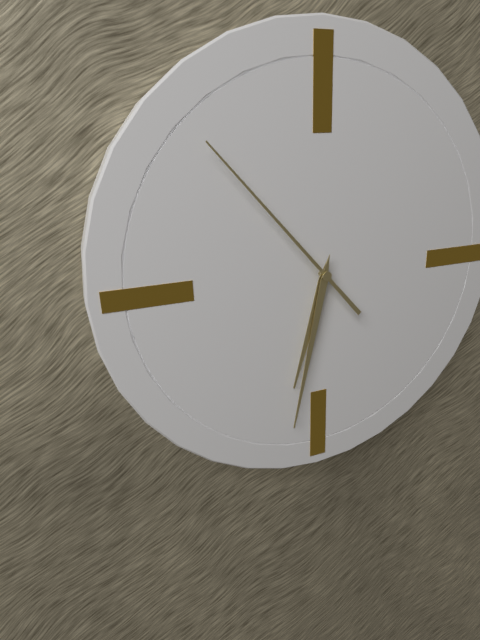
6:32:53
